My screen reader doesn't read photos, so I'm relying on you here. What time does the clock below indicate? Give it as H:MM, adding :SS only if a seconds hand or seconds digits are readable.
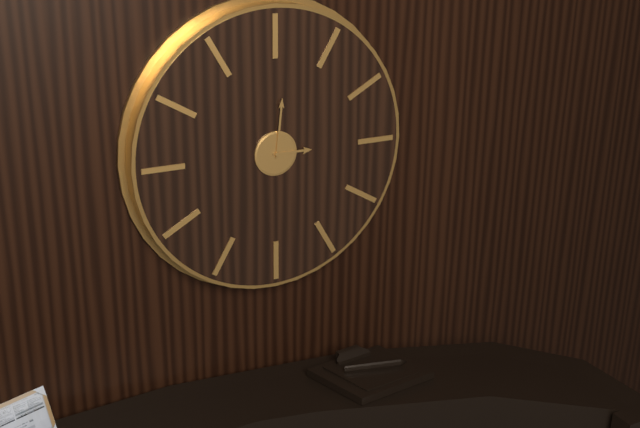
3:01
